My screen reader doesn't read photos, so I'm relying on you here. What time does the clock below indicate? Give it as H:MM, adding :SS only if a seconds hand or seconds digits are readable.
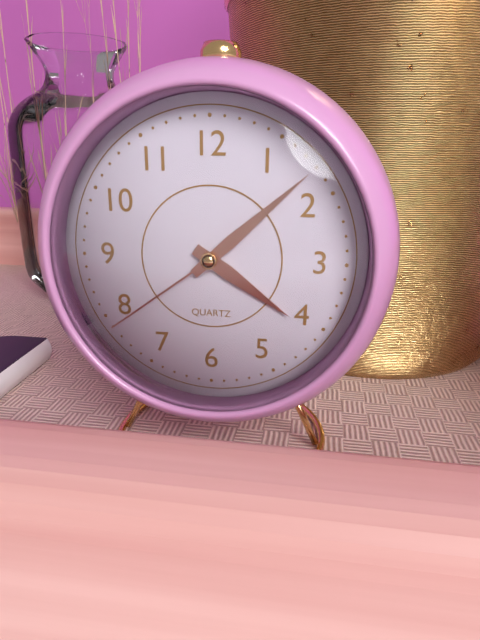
4:08:39
